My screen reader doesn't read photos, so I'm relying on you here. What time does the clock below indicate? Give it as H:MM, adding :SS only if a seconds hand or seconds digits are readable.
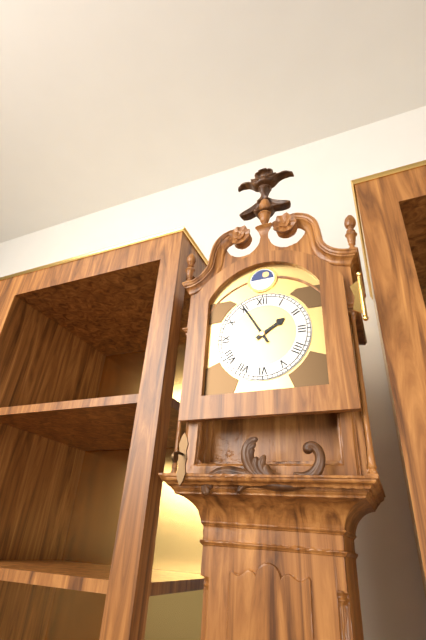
1:55
